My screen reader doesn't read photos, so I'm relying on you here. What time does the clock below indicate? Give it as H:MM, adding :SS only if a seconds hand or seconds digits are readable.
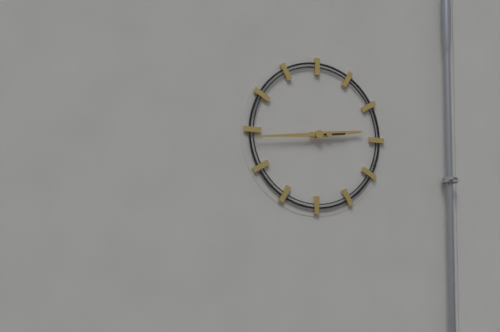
2:44
